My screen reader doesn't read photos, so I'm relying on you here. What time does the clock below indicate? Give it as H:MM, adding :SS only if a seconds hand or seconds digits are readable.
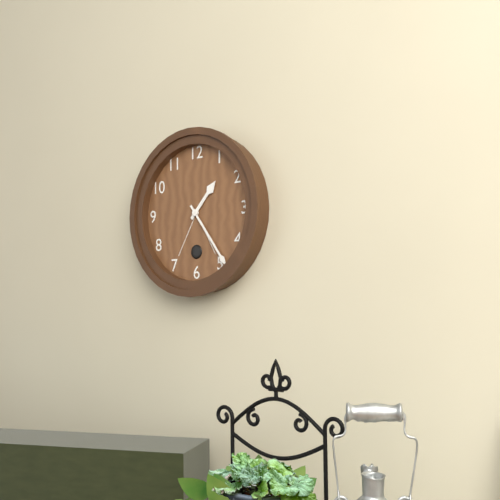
1:24
